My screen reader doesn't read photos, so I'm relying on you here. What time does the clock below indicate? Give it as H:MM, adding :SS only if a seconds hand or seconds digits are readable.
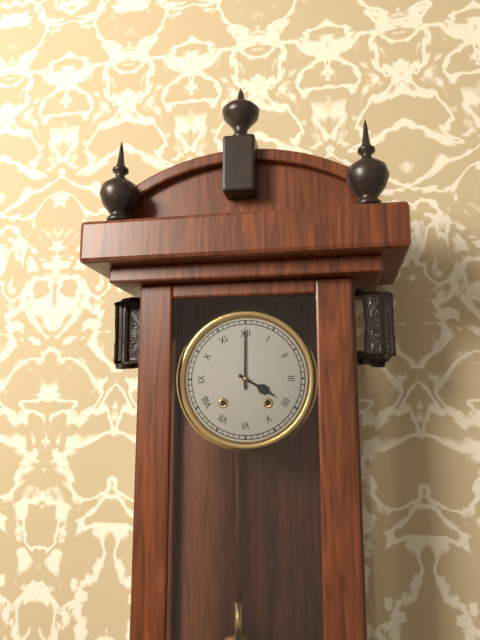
4:00
